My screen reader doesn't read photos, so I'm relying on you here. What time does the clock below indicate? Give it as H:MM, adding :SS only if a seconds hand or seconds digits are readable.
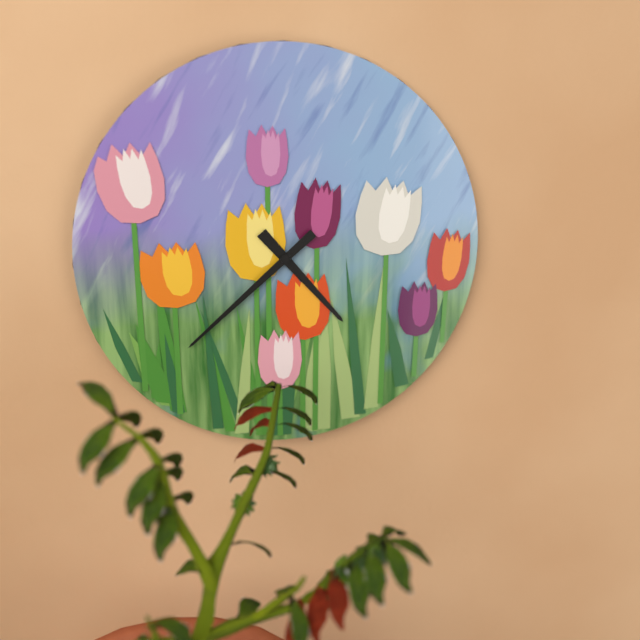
4:38
